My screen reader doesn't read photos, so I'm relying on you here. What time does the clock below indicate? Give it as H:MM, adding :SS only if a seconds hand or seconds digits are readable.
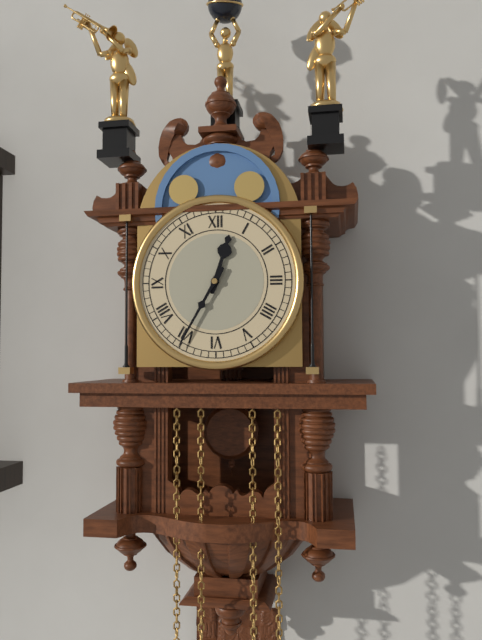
12:35
